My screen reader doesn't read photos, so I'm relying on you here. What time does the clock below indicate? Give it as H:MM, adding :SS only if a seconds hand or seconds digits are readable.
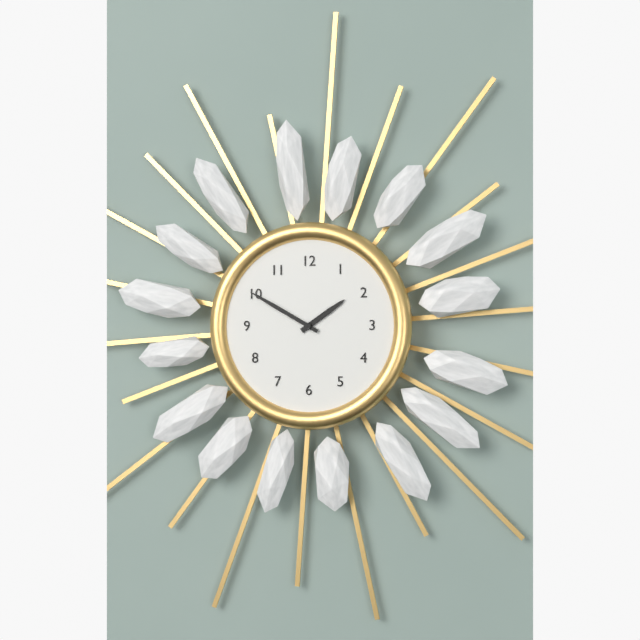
1:50
